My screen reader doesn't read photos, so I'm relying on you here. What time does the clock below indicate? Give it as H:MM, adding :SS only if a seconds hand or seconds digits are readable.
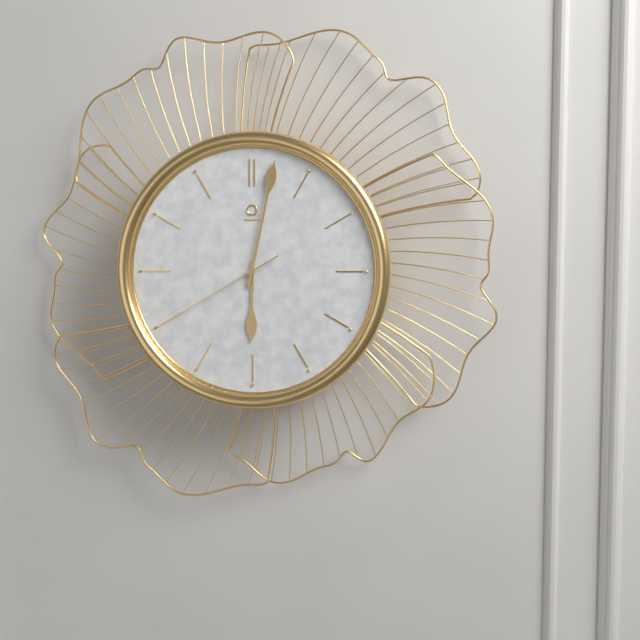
6:02:40
